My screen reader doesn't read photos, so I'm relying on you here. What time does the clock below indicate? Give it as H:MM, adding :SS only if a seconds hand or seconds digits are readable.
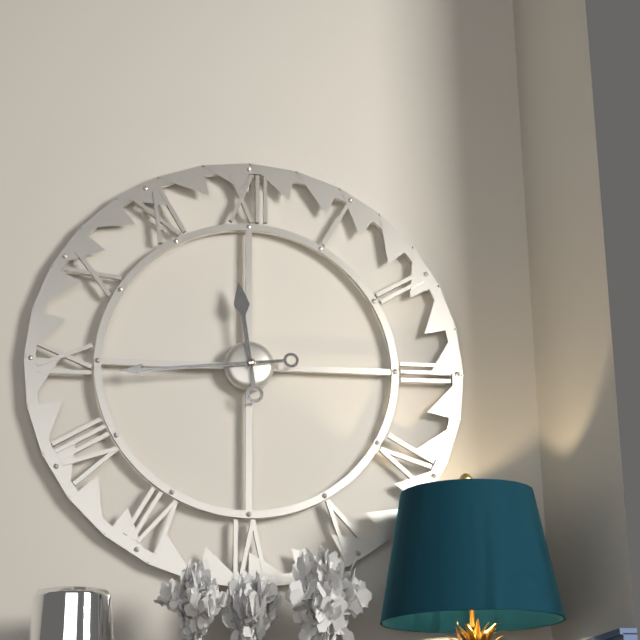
11:44
